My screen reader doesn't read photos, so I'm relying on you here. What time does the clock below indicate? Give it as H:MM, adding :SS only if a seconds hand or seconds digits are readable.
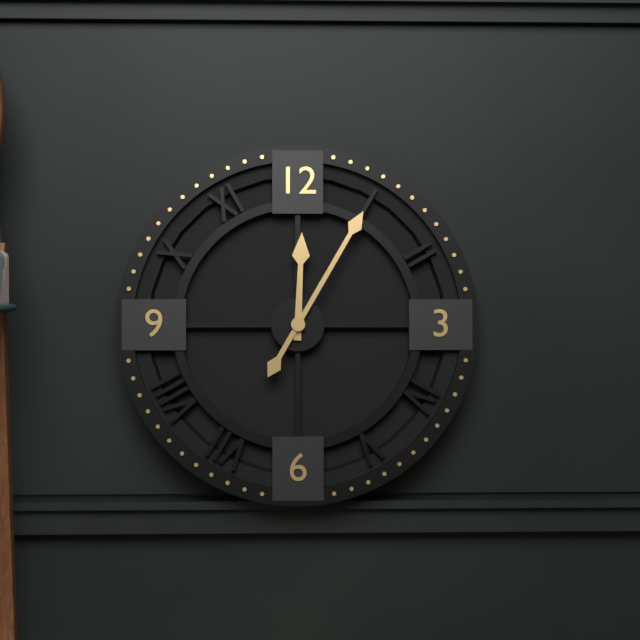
12:05
